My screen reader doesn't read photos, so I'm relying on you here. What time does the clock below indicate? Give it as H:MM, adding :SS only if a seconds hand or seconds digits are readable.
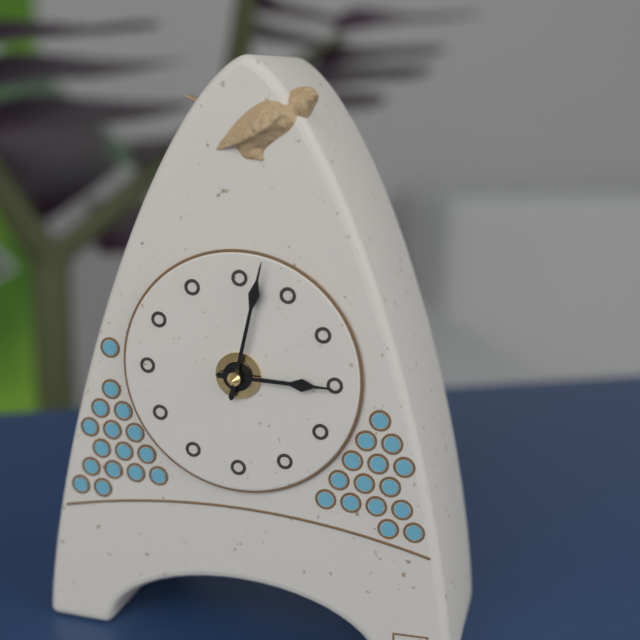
3:02
